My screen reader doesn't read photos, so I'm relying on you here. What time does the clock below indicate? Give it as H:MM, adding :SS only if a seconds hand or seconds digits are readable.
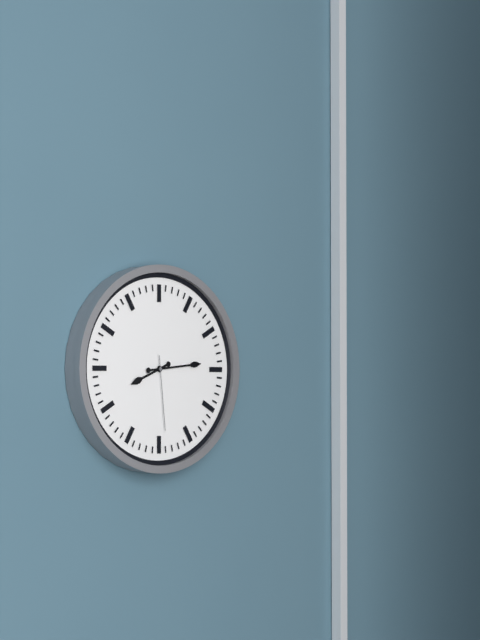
8:14:29
